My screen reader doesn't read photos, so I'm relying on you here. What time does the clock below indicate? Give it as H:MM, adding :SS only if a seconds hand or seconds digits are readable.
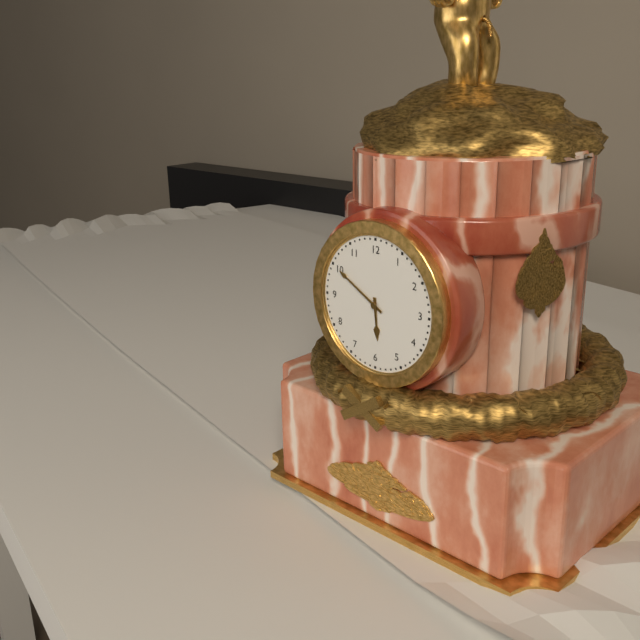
5:50
